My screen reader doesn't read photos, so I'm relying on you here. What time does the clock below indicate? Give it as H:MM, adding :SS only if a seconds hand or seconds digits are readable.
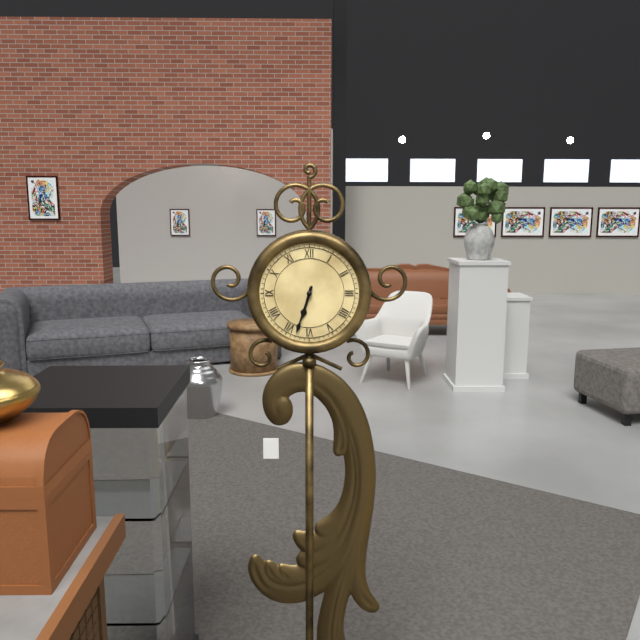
6:33
